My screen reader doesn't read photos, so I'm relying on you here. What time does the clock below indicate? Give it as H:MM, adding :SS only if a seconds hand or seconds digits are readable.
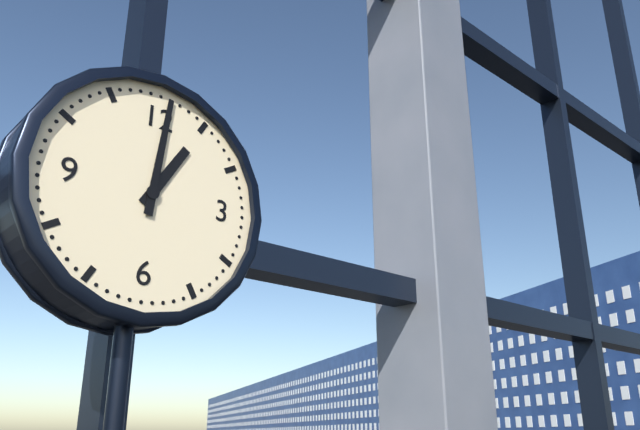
1:01
